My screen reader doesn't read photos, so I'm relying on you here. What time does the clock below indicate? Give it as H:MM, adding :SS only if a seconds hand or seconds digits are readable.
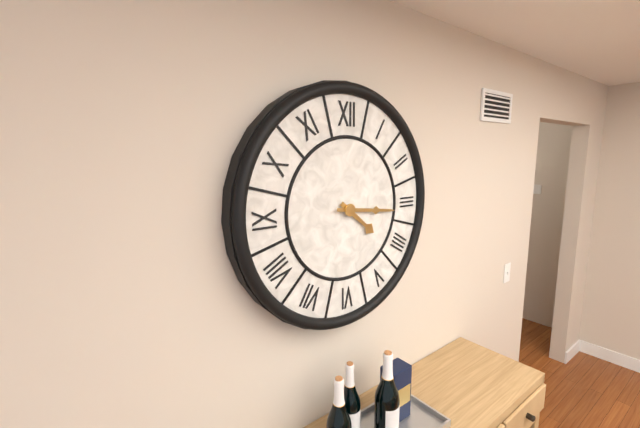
4:16
